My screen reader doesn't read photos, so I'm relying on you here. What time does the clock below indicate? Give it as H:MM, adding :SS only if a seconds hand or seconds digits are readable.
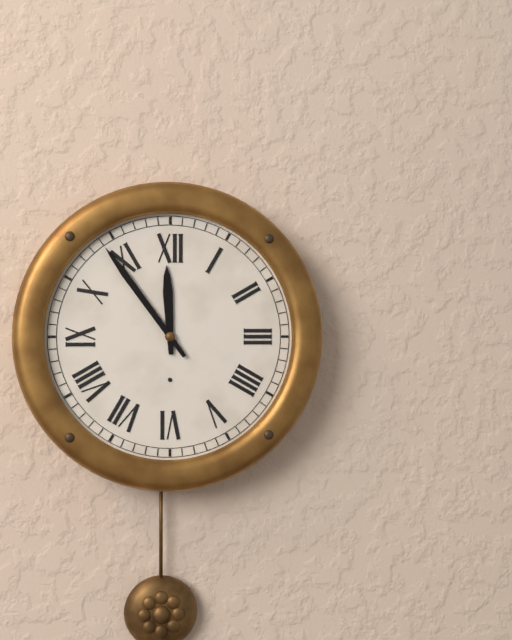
11:54
